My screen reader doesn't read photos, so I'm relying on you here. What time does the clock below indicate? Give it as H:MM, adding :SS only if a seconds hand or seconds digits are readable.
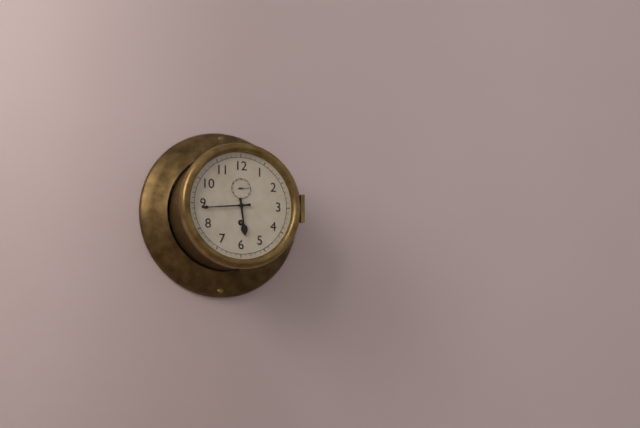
5:44
